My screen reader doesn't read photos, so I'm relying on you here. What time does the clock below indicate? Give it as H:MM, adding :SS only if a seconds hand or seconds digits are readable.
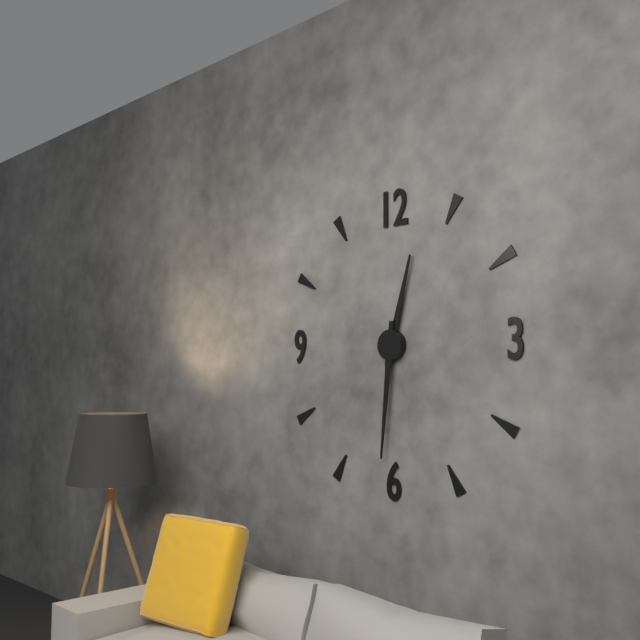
12:31
